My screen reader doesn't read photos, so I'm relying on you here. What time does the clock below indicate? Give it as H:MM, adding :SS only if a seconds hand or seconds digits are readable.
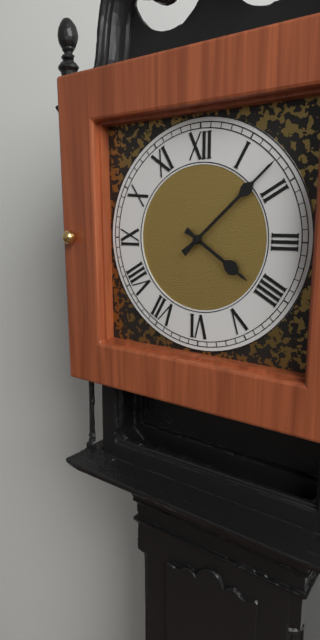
4:08
